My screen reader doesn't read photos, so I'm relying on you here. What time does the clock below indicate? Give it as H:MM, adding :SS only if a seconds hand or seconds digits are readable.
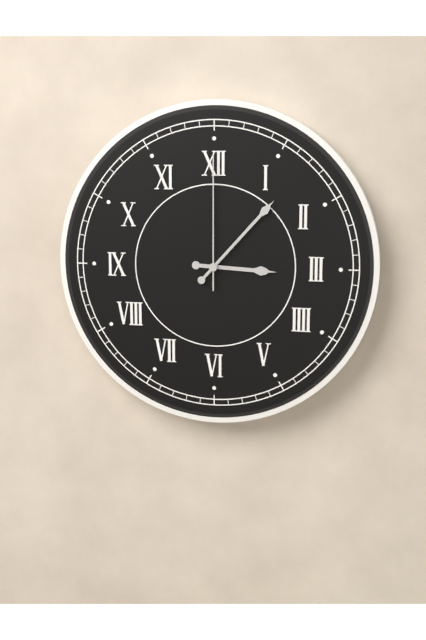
3:07:00
